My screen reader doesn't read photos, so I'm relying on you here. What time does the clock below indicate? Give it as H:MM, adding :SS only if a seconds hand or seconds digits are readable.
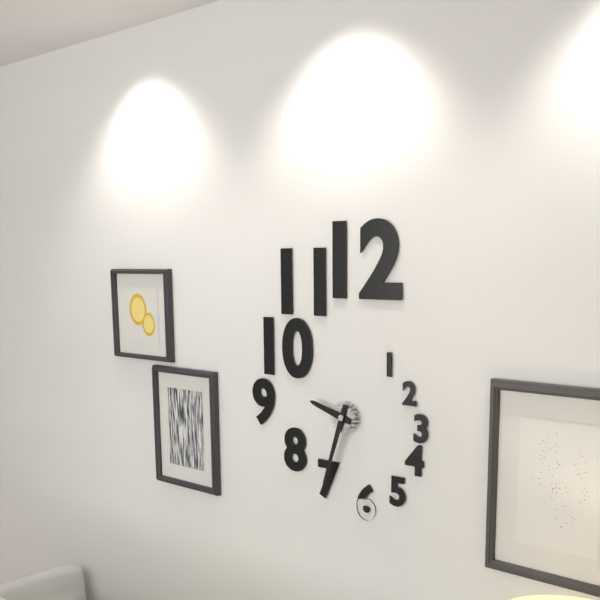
9:33
